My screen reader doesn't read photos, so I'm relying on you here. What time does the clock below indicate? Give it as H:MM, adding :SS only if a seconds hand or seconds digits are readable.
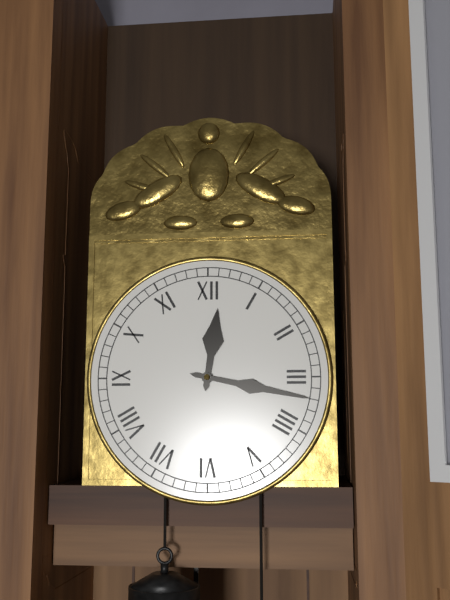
12:17
